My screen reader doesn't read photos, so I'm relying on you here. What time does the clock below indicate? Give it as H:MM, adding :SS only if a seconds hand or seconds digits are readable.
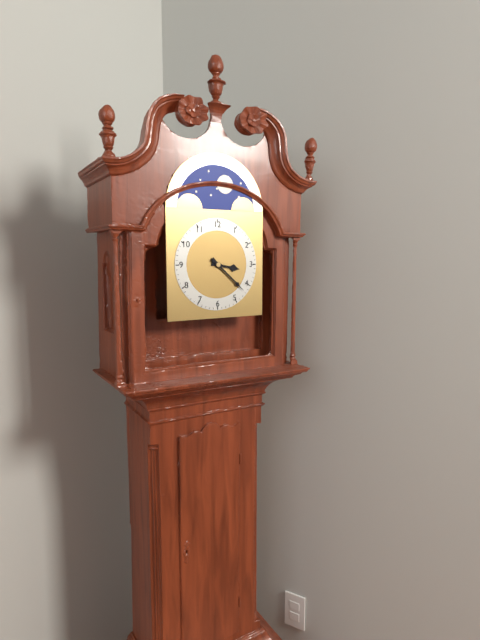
3:22
